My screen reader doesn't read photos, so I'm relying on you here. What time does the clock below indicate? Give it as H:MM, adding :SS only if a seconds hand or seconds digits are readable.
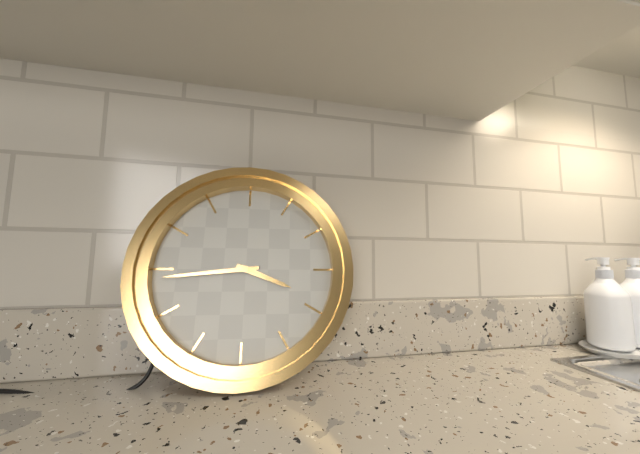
3:44
